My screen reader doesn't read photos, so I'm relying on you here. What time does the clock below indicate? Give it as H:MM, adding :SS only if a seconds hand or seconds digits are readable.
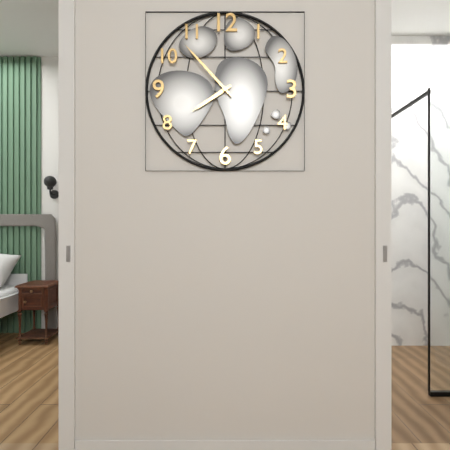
7:53
